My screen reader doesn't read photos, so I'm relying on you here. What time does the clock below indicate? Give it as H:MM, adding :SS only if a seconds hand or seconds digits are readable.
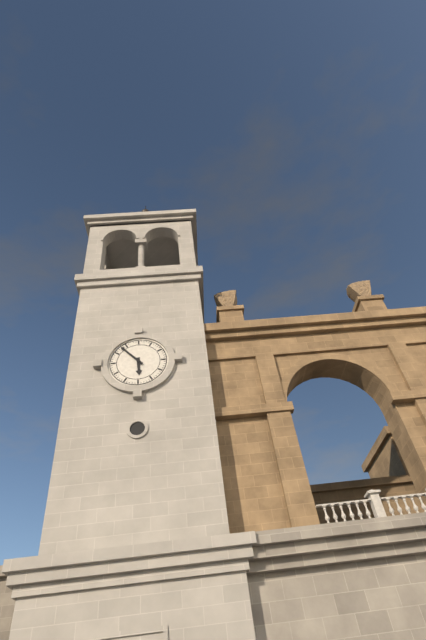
5:53
